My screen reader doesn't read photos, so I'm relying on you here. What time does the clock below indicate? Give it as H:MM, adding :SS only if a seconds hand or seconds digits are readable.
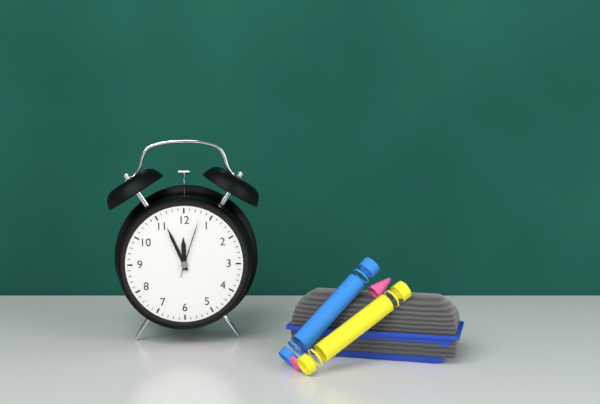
11:56:03
